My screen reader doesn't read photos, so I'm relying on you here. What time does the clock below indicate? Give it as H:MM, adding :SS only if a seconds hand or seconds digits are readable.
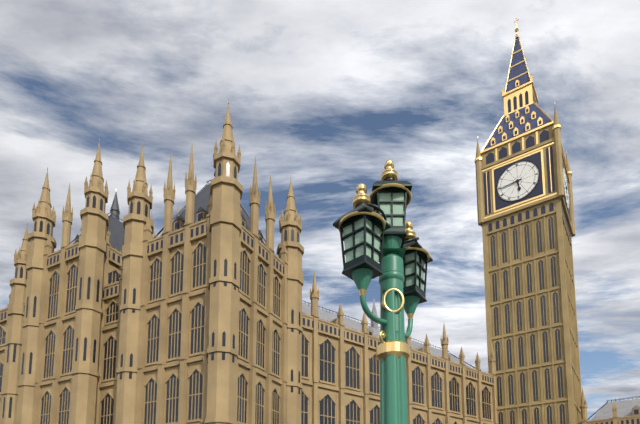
5:44
